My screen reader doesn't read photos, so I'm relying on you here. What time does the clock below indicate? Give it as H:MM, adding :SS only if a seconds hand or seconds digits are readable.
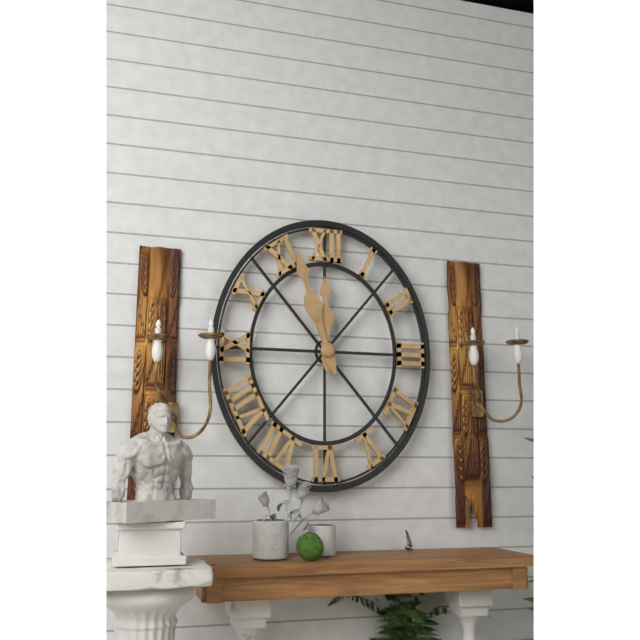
11:57
